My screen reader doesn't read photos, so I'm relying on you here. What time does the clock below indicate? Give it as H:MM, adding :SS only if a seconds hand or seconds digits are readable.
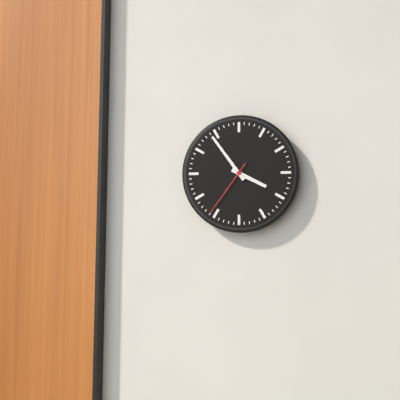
3:54:36
